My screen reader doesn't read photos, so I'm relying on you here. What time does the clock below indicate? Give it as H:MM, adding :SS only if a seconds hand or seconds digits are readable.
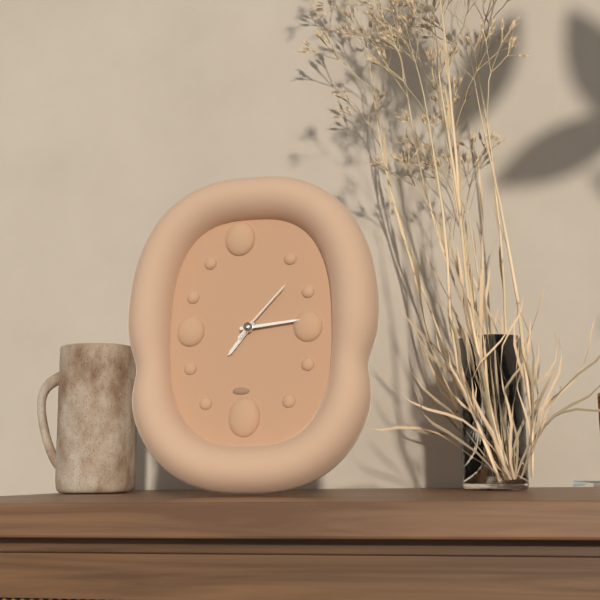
7:14:07
